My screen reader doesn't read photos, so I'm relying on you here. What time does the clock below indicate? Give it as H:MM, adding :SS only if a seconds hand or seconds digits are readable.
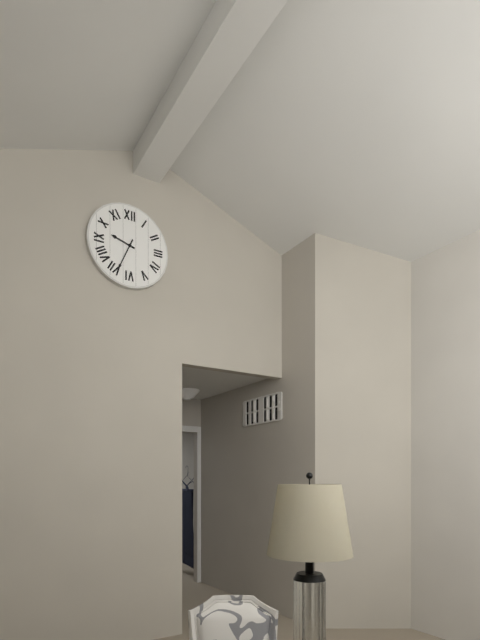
9:34
